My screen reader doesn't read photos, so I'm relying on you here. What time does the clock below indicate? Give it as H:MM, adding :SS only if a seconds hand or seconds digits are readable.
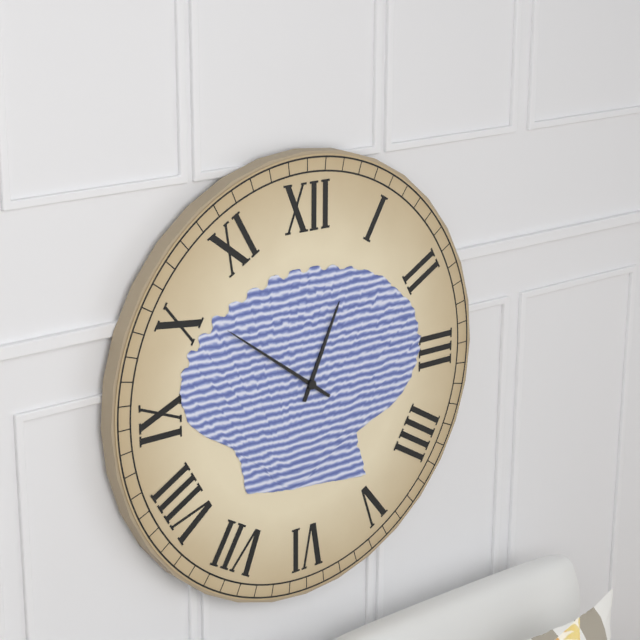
12:51
